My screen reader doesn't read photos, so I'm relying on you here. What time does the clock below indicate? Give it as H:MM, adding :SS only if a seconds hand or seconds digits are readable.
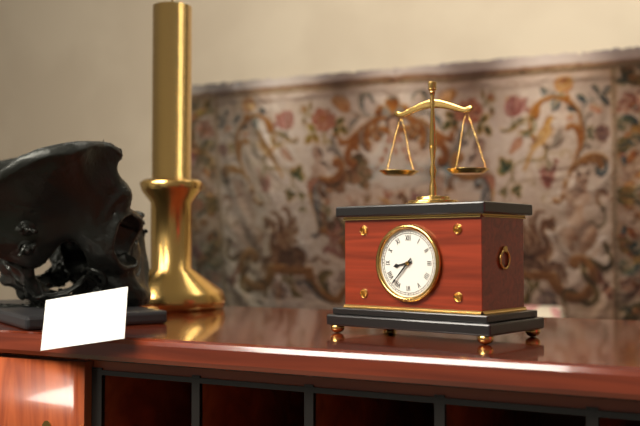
8:37
